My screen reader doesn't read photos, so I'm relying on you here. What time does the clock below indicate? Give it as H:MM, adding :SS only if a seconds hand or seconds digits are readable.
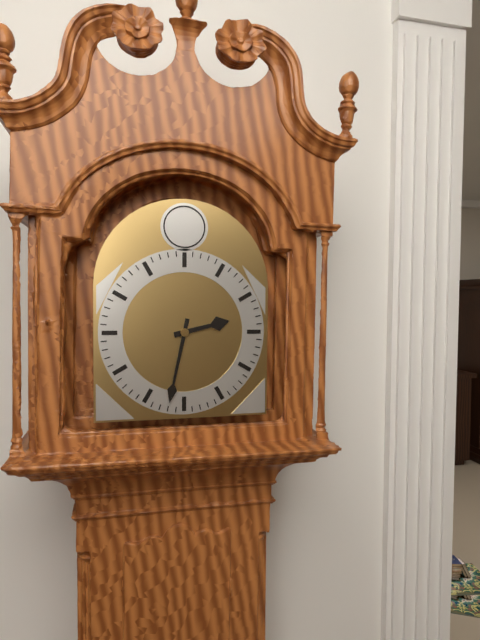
2:32
